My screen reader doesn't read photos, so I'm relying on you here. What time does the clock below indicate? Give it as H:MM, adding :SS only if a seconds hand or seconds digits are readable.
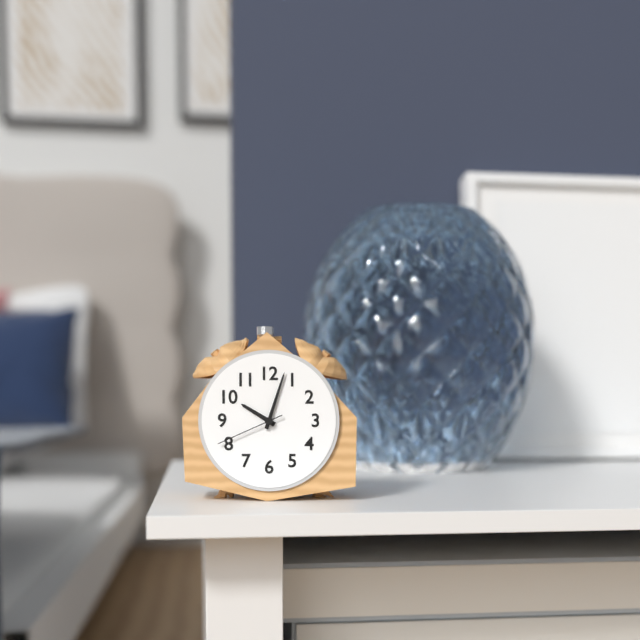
10:03:41
